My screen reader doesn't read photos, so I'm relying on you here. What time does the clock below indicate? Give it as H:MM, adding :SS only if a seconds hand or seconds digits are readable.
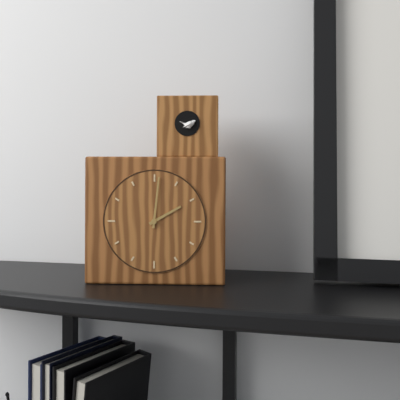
2:01
